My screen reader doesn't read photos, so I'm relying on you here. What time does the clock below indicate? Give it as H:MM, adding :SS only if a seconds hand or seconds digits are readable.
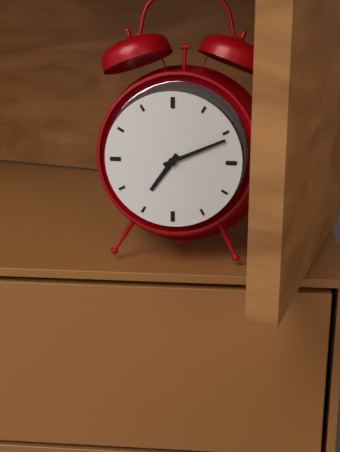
7:11
